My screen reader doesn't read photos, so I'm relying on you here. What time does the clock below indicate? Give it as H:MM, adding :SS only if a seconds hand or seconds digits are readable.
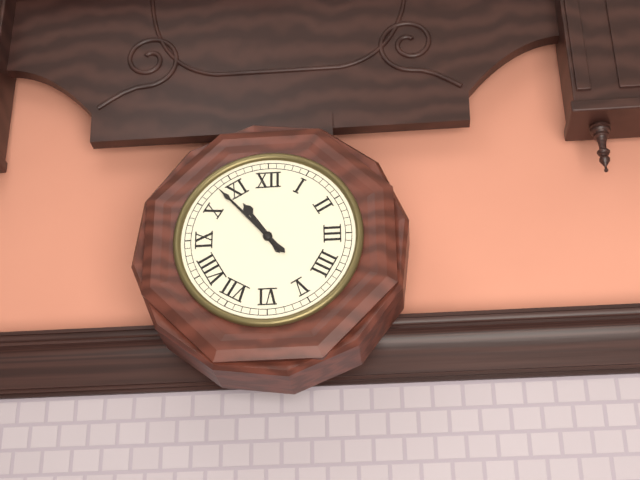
10:53
